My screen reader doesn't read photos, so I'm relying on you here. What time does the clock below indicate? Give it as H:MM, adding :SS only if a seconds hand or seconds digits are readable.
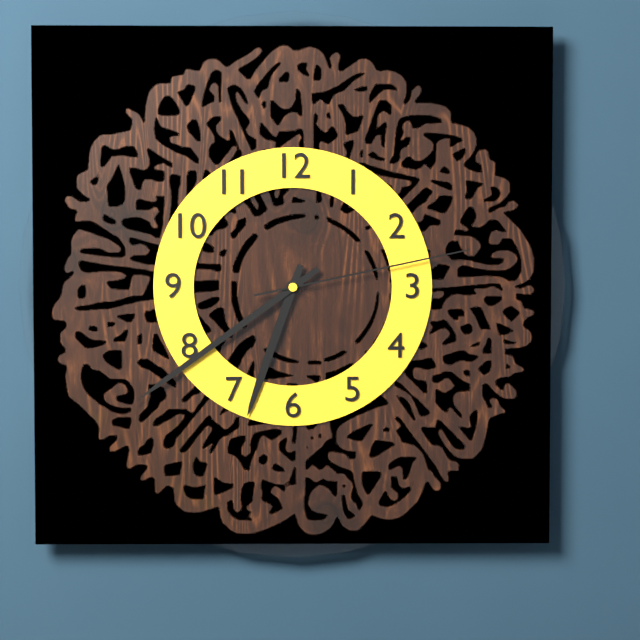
6:39:13
